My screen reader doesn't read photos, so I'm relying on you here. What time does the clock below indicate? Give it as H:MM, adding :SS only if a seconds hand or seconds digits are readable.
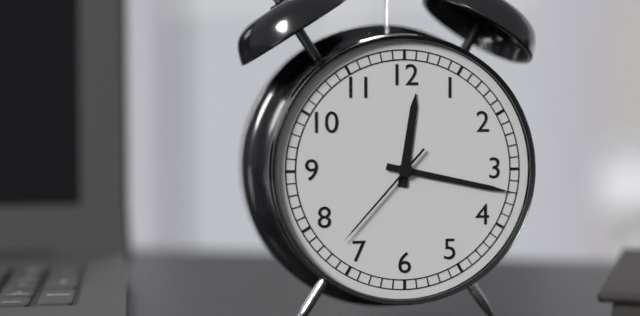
12:17:37
